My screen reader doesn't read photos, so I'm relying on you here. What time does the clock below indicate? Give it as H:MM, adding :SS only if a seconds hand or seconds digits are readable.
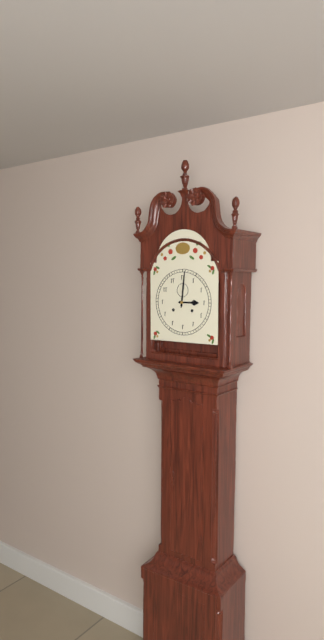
3:01
